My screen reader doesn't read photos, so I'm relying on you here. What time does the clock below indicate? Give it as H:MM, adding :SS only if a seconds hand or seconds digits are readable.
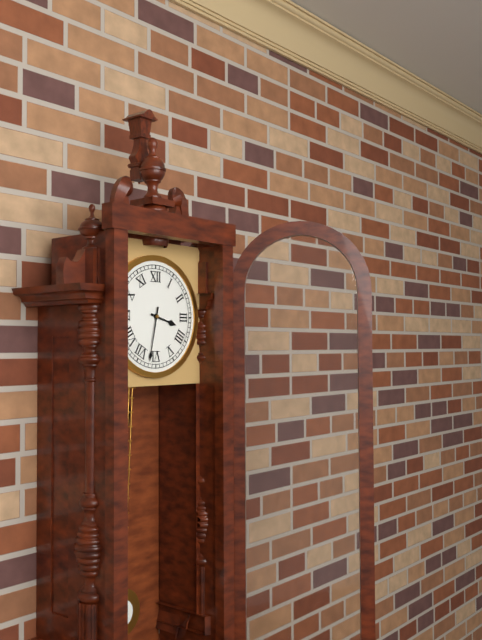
3:32
